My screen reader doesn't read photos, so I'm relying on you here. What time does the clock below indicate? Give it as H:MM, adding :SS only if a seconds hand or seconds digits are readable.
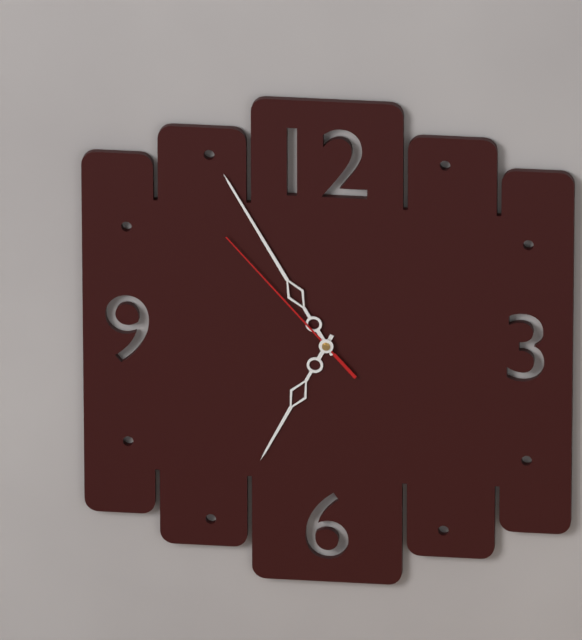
6:55:53
